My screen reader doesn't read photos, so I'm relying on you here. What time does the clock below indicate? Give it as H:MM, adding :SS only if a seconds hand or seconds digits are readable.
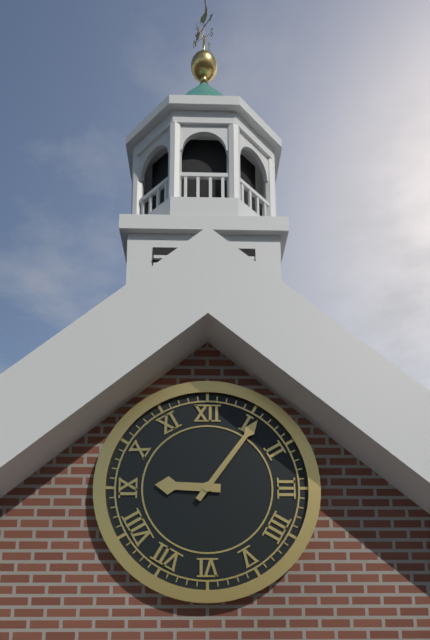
9:06
